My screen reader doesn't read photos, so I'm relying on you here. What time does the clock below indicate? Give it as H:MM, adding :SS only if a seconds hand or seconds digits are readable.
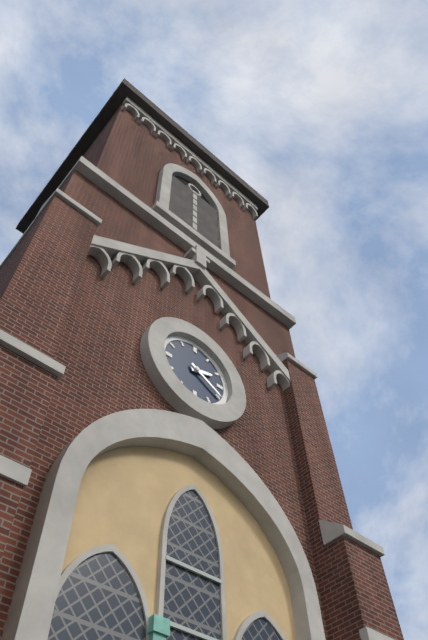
2:20
